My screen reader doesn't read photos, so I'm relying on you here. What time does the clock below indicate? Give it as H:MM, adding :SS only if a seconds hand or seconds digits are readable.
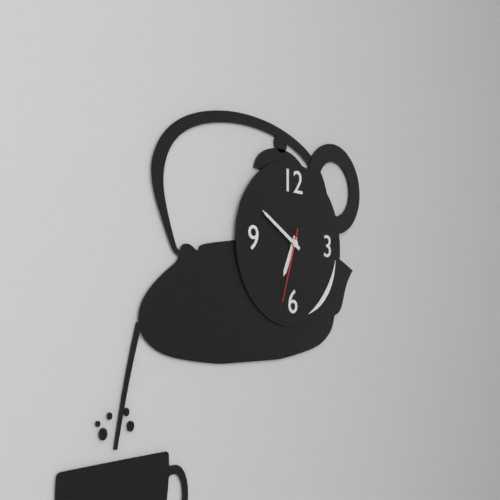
6:50:33
